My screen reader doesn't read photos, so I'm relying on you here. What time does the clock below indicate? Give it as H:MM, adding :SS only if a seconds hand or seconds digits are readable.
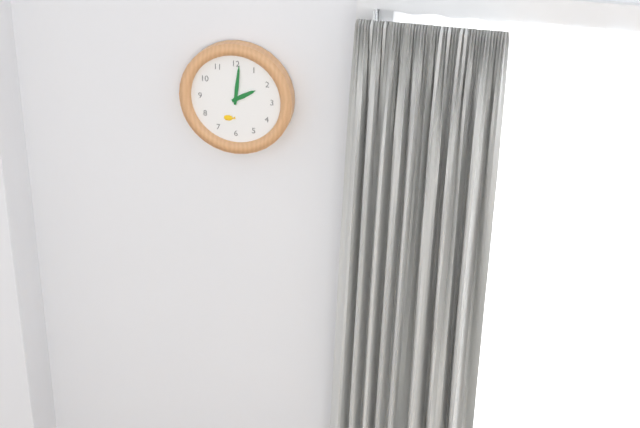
2:01
